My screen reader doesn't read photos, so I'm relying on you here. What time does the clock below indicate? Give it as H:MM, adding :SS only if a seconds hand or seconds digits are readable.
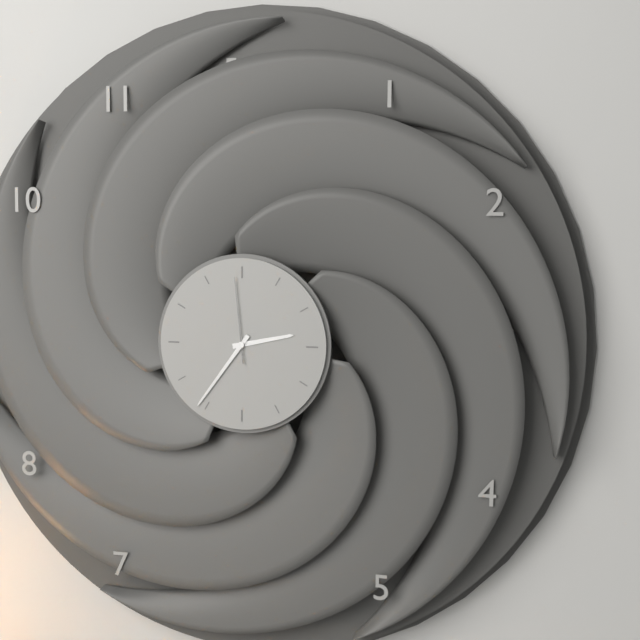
2:36:59
